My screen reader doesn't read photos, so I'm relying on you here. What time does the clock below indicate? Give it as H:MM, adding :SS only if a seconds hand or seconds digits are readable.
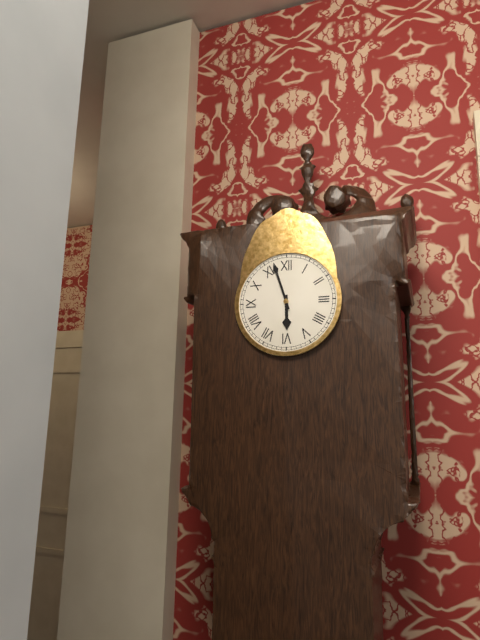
5:57
